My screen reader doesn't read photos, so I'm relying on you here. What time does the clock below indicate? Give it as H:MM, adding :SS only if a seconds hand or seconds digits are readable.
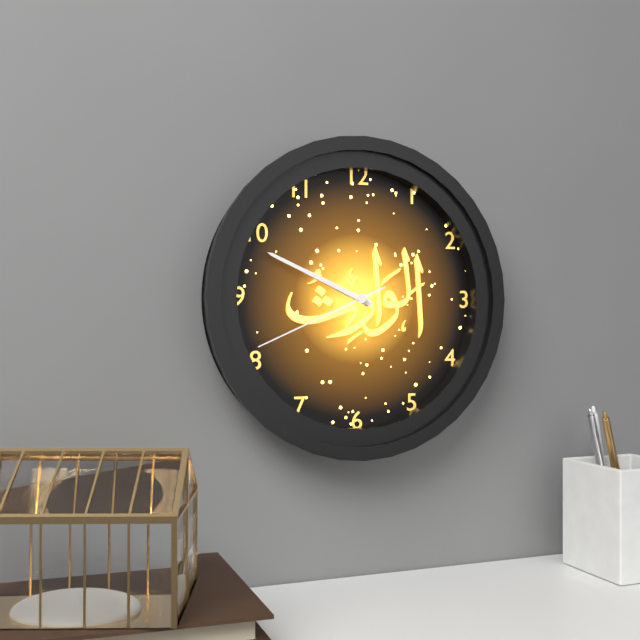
9:49:41
